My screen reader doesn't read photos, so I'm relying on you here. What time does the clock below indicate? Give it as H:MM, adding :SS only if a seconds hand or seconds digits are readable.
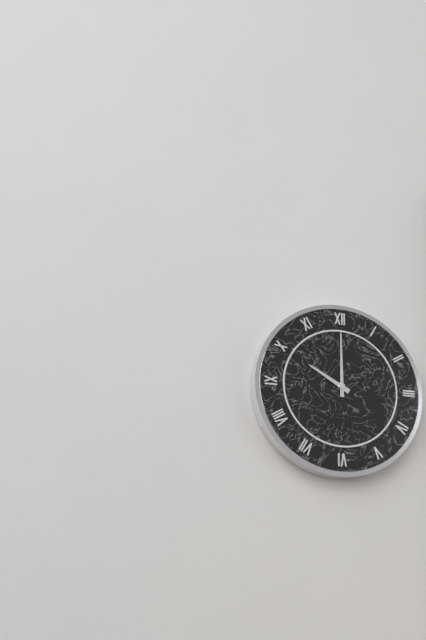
10:00
